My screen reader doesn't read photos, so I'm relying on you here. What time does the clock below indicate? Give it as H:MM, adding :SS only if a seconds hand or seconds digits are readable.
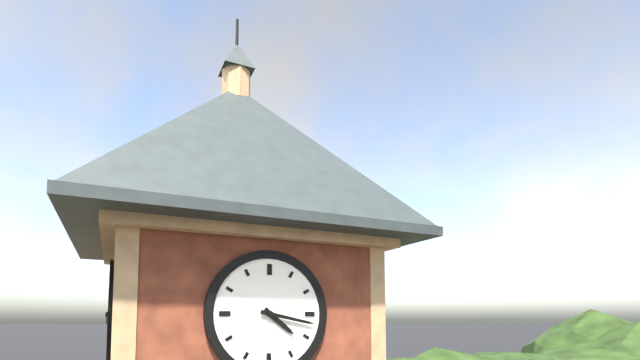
4:17
